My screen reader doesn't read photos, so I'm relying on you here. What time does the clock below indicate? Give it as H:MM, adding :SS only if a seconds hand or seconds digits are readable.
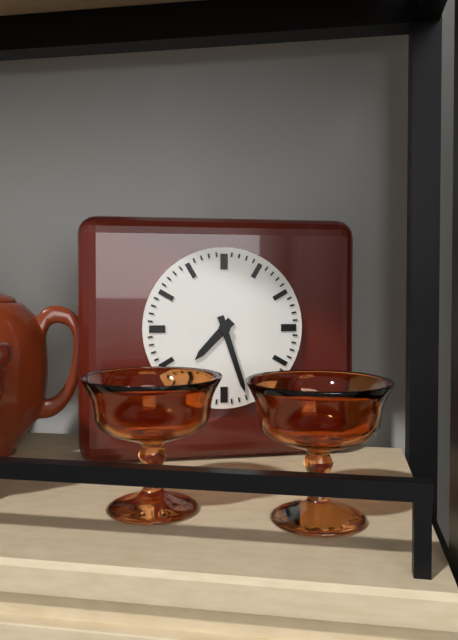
7:27
